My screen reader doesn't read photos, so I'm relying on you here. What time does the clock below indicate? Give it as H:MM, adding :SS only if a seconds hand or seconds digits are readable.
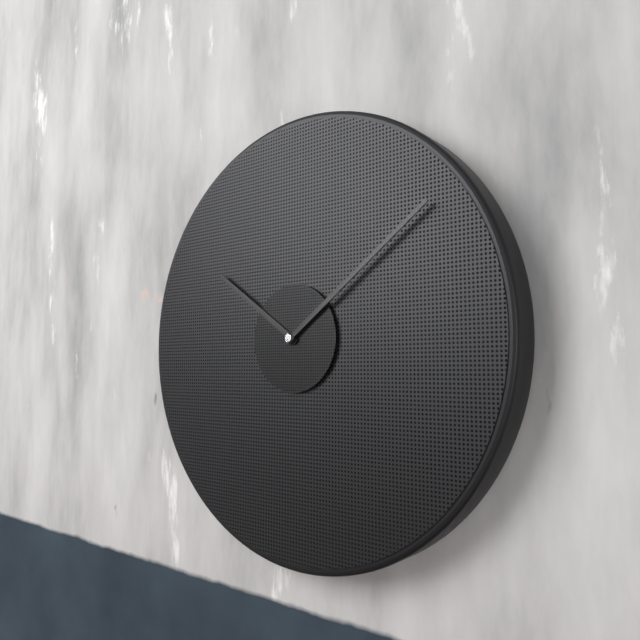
10:09
